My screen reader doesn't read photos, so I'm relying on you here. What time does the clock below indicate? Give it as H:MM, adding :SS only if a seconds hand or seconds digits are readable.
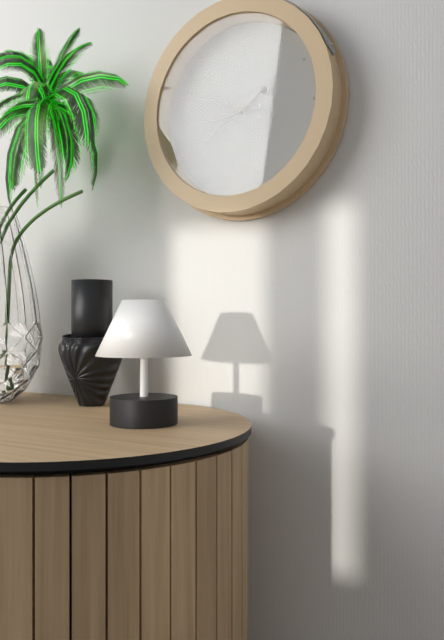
8:49:40
